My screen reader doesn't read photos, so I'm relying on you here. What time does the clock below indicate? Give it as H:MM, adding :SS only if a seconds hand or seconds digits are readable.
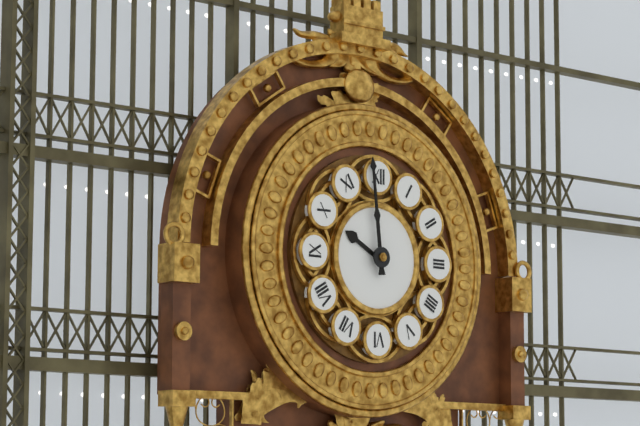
9:59
